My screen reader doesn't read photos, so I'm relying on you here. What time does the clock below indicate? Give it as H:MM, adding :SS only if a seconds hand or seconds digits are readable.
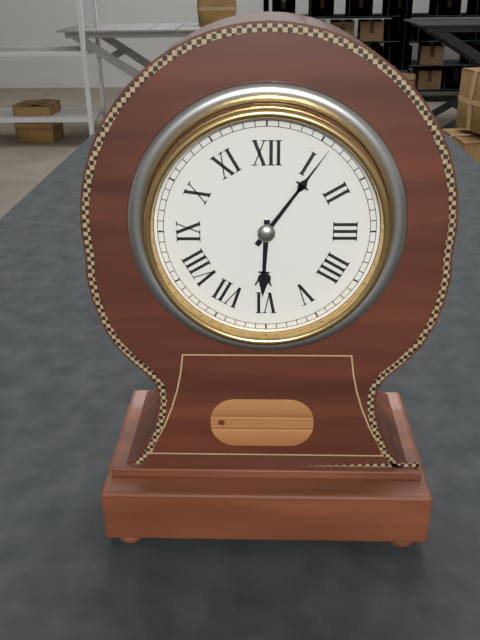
6:06
